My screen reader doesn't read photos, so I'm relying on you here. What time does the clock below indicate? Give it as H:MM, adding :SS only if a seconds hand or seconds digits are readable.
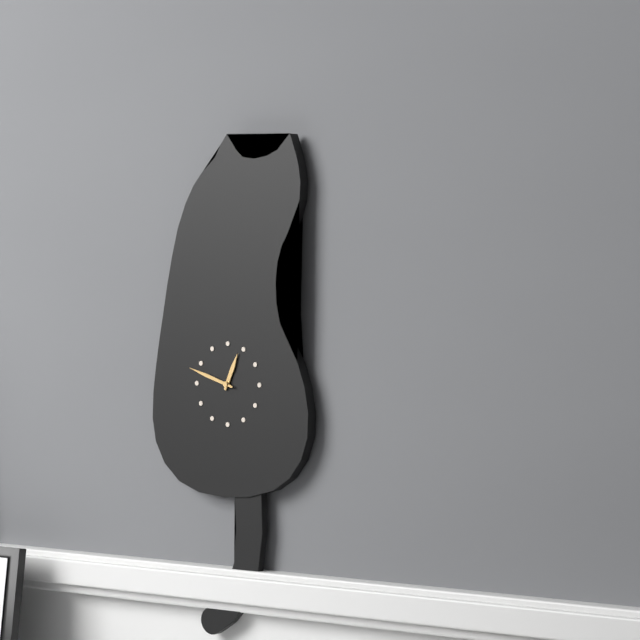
12:48
